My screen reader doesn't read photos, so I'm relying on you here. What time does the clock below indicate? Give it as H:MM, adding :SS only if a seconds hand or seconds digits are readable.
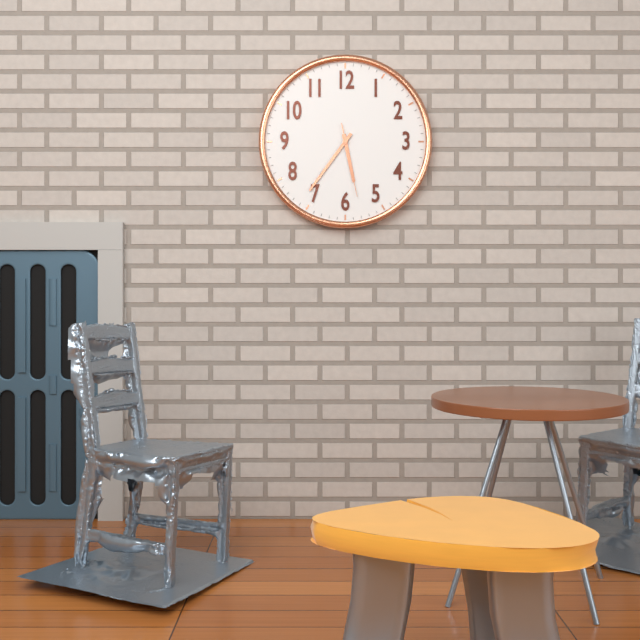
5:36:28
